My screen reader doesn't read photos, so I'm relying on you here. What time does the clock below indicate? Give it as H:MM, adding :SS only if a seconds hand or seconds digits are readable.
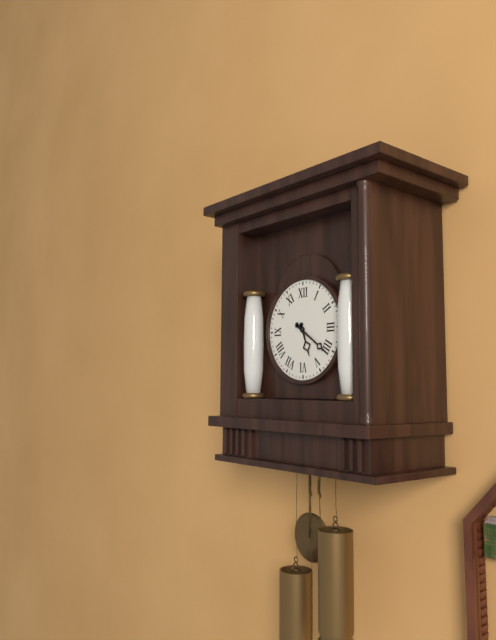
5:21
